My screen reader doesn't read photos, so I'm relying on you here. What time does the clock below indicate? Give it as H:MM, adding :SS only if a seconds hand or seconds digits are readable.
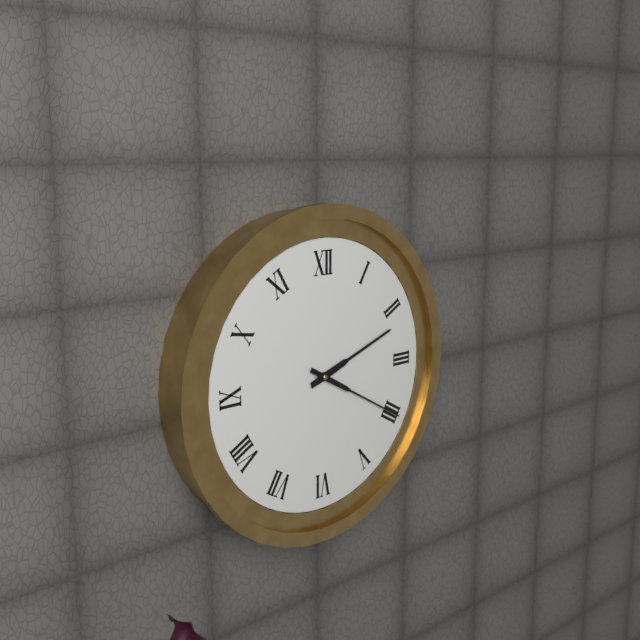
2:20
